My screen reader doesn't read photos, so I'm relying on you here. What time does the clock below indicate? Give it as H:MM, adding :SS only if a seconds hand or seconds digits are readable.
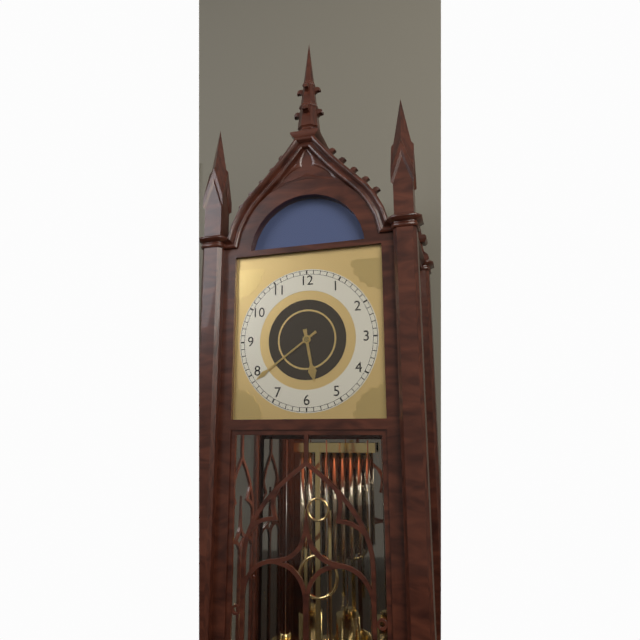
5:39
